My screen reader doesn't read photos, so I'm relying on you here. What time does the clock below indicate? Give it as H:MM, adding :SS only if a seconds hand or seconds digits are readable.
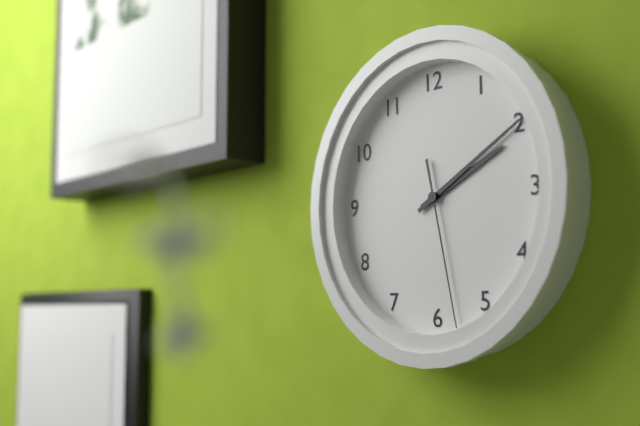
2:10:28
